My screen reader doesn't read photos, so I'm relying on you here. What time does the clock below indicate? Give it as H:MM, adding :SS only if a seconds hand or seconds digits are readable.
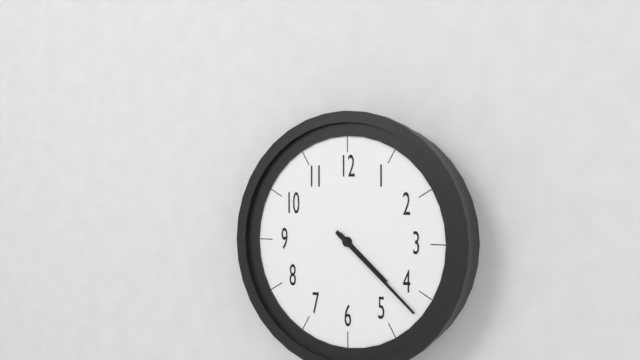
4:22
